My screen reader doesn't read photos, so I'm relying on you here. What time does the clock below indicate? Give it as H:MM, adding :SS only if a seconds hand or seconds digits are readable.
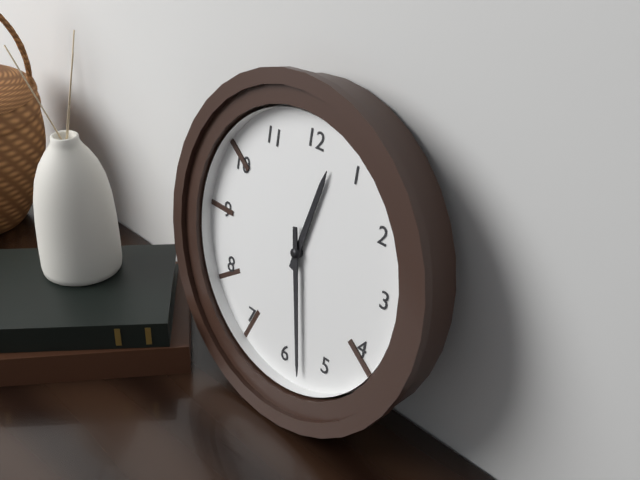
12:28
